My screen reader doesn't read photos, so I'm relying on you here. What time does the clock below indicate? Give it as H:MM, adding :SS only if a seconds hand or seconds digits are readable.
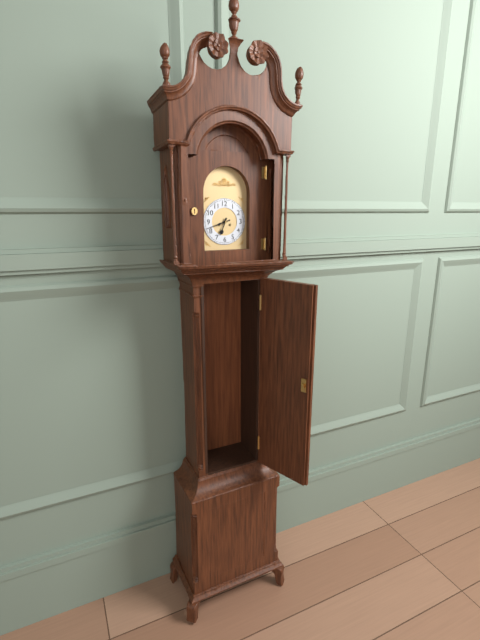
6:42
